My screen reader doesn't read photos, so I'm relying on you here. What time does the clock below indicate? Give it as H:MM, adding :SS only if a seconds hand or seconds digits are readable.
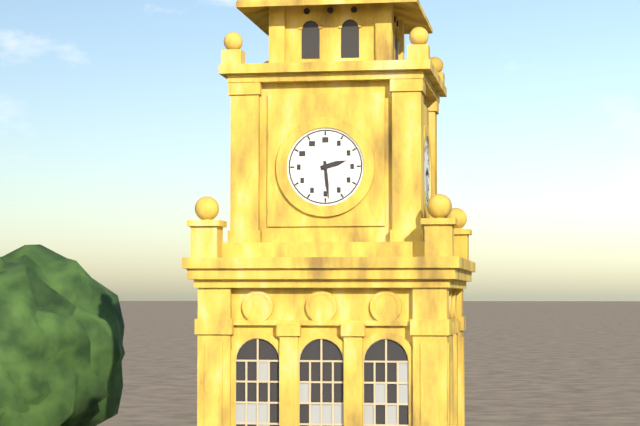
2:29
